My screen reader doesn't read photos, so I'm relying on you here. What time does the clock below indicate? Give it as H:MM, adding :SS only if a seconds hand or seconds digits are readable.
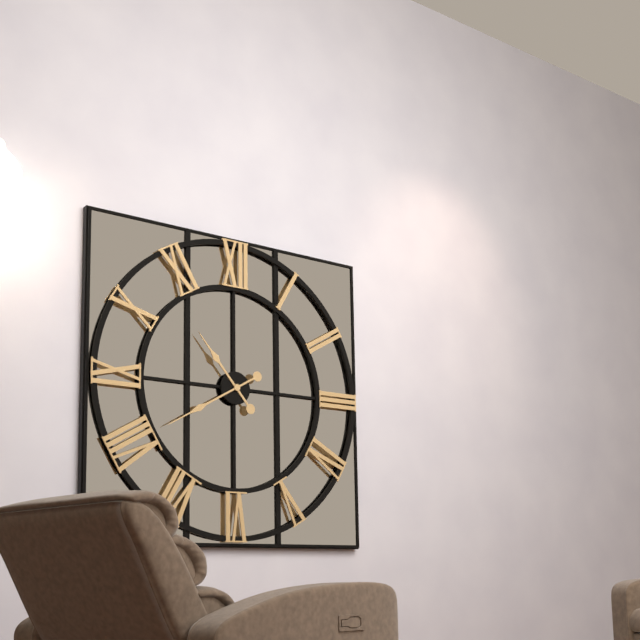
10:40
